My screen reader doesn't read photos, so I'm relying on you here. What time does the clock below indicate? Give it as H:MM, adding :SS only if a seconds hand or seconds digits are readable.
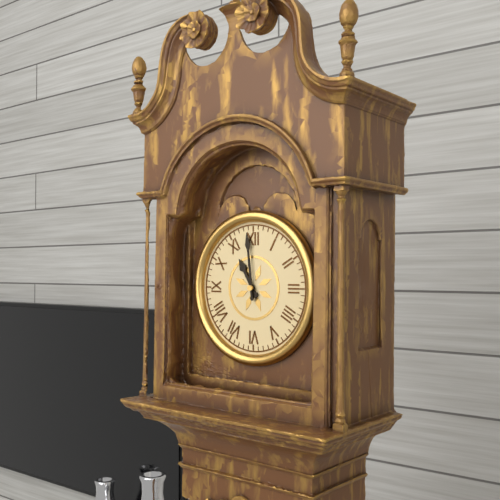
10:59
